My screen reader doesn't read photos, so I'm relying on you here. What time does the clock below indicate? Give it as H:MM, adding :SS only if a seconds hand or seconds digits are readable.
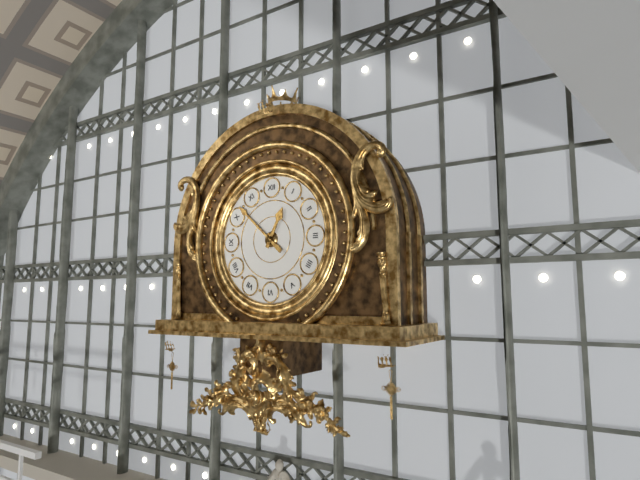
12:52
